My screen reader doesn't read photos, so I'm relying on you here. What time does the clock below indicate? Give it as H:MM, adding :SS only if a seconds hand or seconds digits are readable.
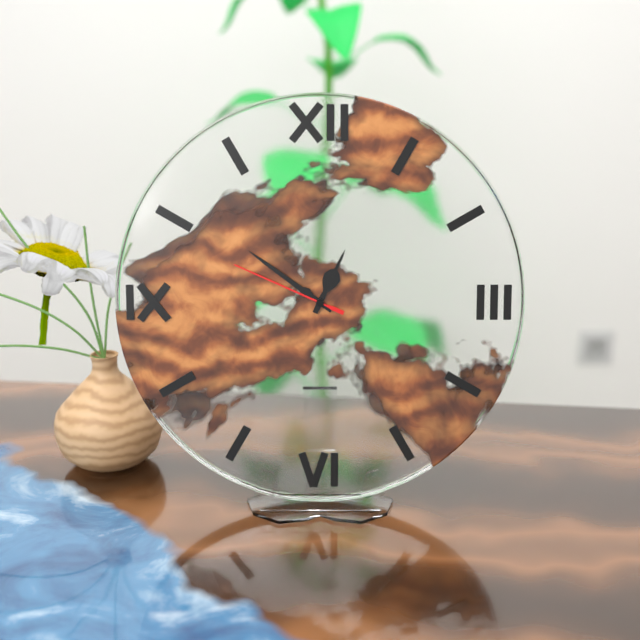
12:51:49
